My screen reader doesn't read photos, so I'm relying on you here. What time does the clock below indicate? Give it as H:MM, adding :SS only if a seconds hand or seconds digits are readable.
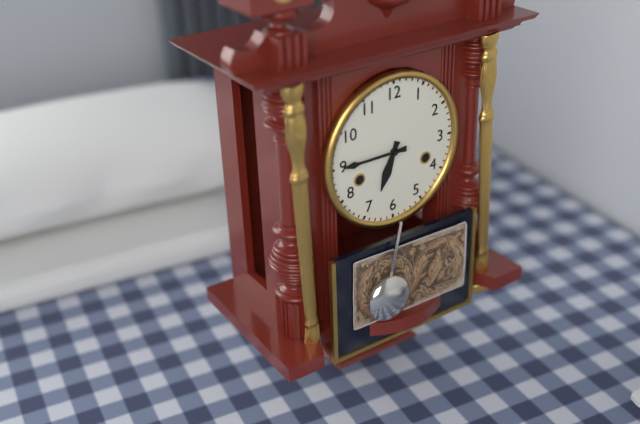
6:45
